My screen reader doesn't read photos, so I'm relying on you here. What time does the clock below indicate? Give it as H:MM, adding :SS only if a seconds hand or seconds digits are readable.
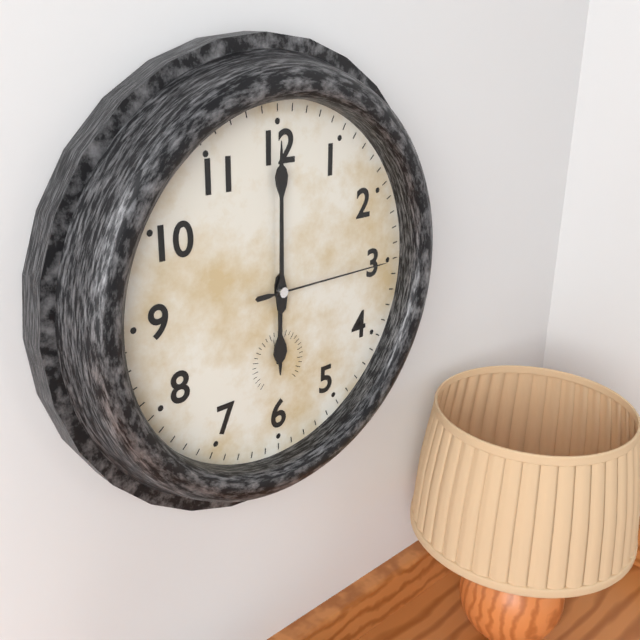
6:00:15
